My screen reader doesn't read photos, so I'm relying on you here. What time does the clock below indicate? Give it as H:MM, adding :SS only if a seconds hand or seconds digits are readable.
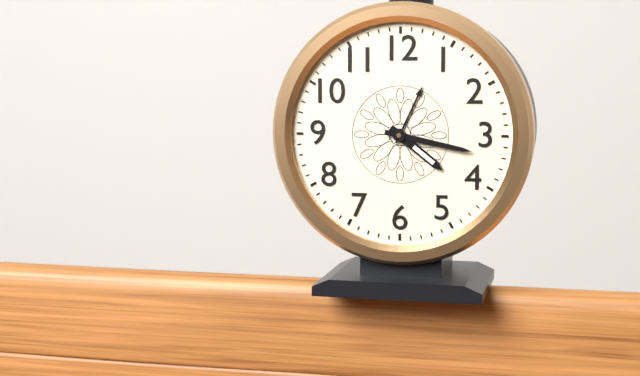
4:17
